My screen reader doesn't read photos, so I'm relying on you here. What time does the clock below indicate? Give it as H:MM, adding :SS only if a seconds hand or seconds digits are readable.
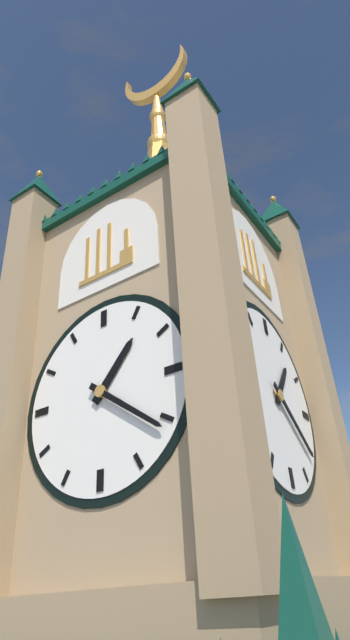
1:21
